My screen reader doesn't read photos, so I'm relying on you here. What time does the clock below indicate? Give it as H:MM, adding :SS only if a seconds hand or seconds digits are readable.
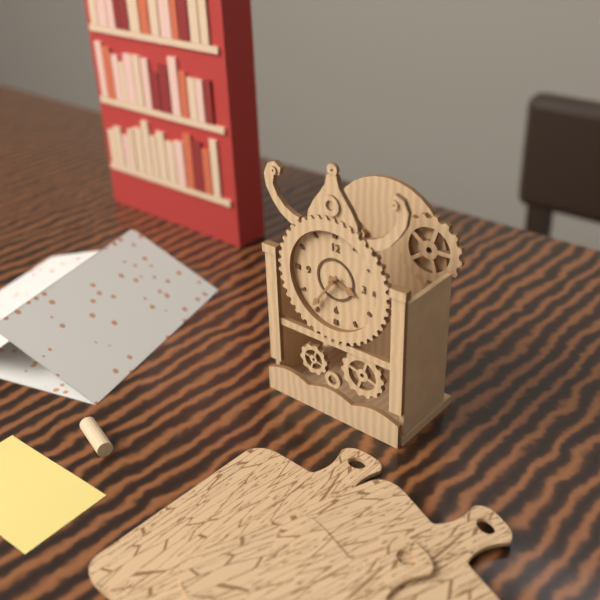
3:36
